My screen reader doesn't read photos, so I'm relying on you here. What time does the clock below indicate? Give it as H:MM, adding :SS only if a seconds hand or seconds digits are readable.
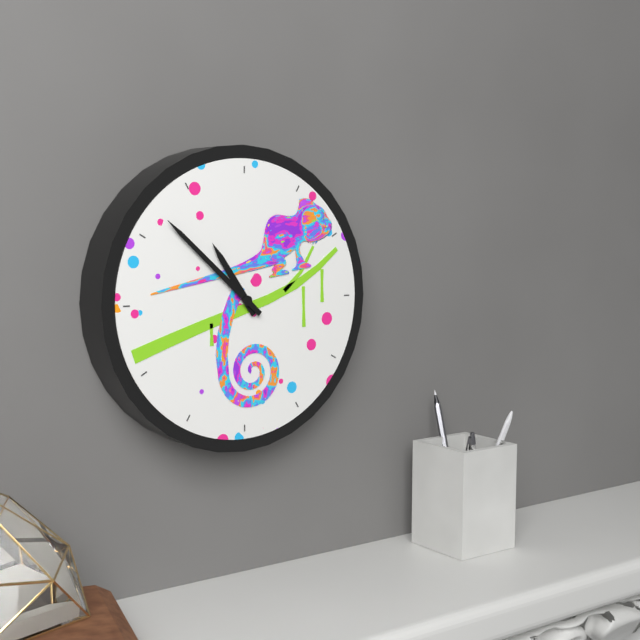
10:52
